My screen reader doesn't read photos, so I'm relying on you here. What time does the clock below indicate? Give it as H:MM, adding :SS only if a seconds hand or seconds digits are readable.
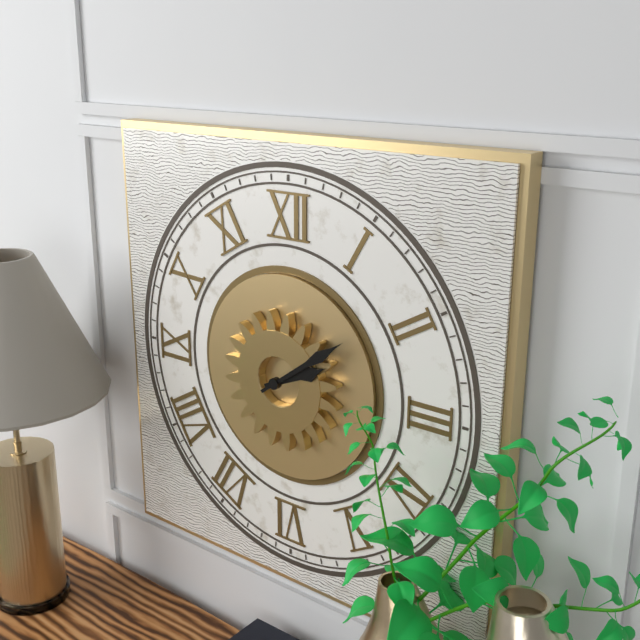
2:09
